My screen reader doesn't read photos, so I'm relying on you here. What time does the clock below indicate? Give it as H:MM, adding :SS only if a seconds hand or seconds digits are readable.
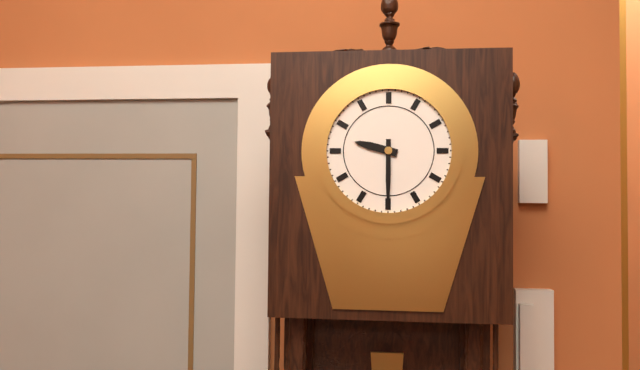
9:30
